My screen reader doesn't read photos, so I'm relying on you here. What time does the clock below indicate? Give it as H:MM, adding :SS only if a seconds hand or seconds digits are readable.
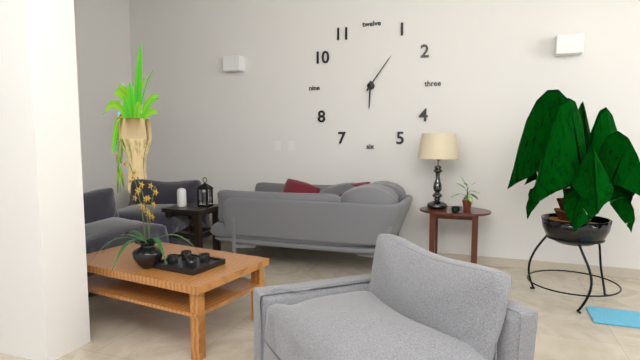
6:06
